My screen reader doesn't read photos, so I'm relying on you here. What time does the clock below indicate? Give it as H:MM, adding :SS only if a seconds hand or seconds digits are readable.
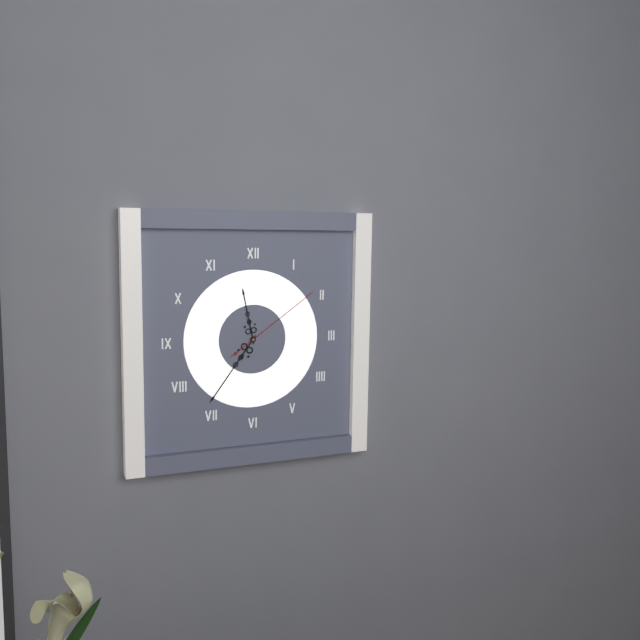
11:36:09
